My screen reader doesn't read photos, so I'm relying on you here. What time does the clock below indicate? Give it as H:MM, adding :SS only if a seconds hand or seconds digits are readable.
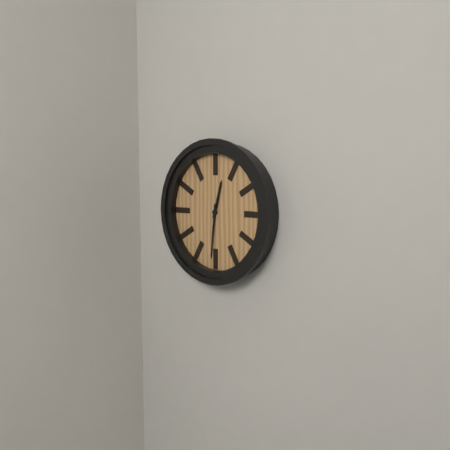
12:31
